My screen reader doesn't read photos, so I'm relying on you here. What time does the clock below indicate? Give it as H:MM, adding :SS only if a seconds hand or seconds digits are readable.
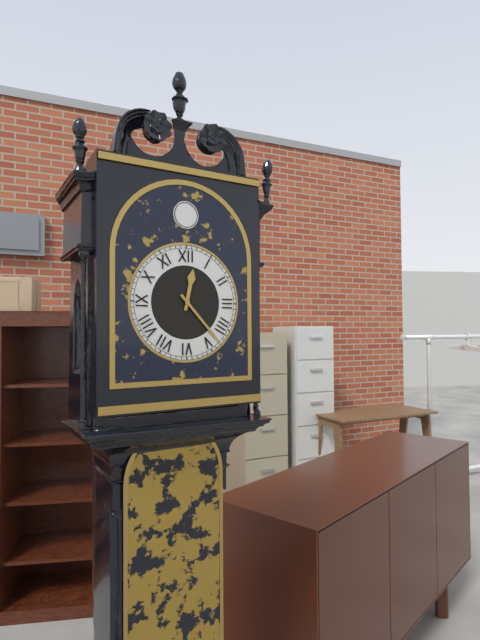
12:23
